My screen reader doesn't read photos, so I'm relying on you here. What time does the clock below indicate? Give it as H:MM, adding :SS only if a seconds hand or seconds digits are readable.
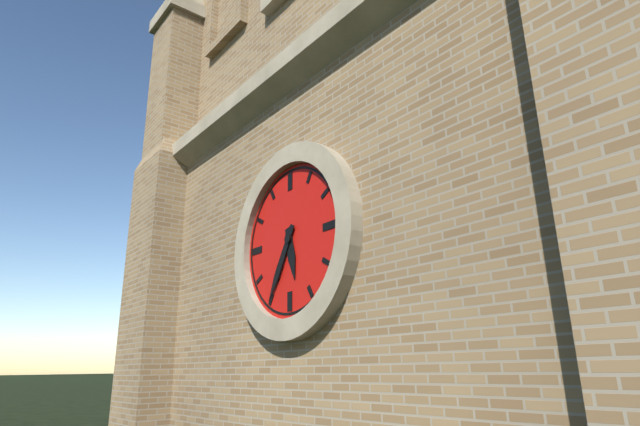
5:35
